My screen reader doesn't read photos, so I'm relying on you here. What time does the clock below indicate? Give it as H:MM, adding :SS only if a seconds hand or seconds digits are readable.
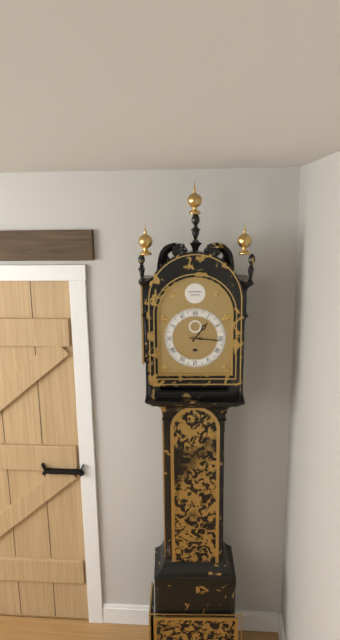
1:16
